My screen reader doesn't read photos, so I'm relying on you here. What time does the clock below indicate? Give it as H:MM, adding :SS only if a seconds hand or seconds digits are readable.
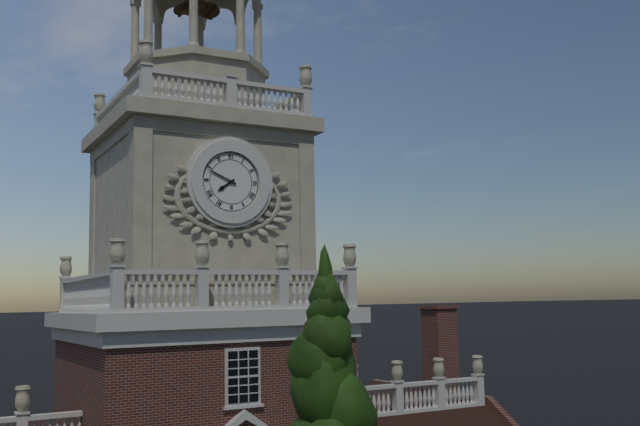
7:49
